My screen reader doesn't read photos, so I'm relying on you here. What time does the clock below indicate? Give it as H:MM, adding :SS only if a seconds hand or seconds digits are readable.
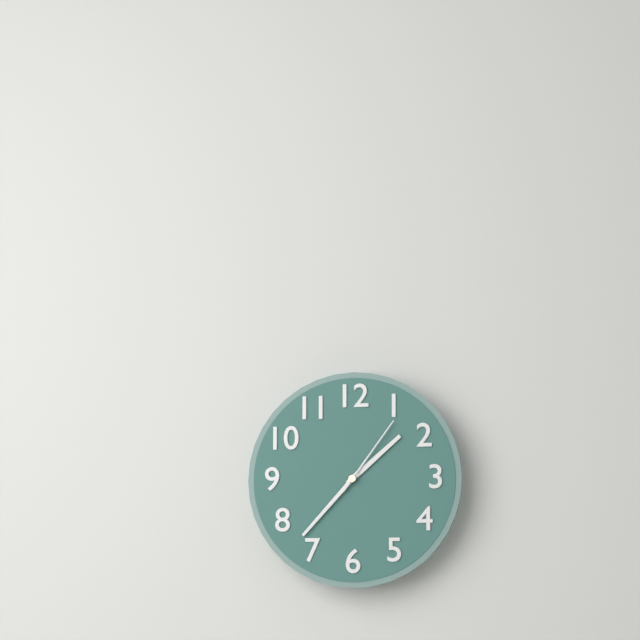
1:37:06
